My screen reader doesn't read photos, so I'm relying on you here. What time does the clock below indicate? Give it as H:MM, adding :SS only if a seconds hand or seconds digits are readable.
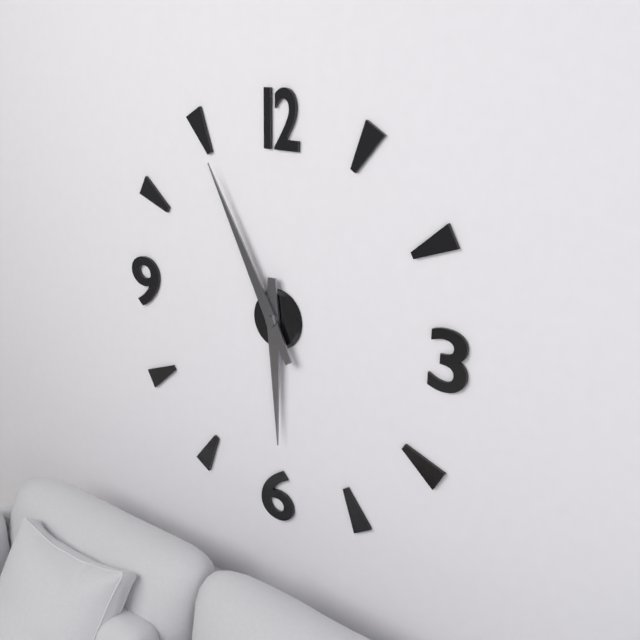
5:55
